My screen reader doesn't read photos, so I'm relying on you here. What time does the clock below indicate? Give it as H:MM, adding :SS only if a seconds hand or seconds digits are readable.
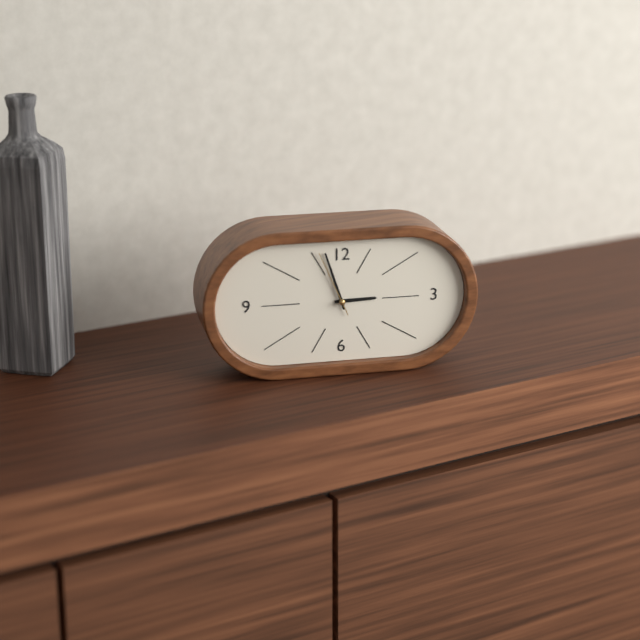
2:57:56
